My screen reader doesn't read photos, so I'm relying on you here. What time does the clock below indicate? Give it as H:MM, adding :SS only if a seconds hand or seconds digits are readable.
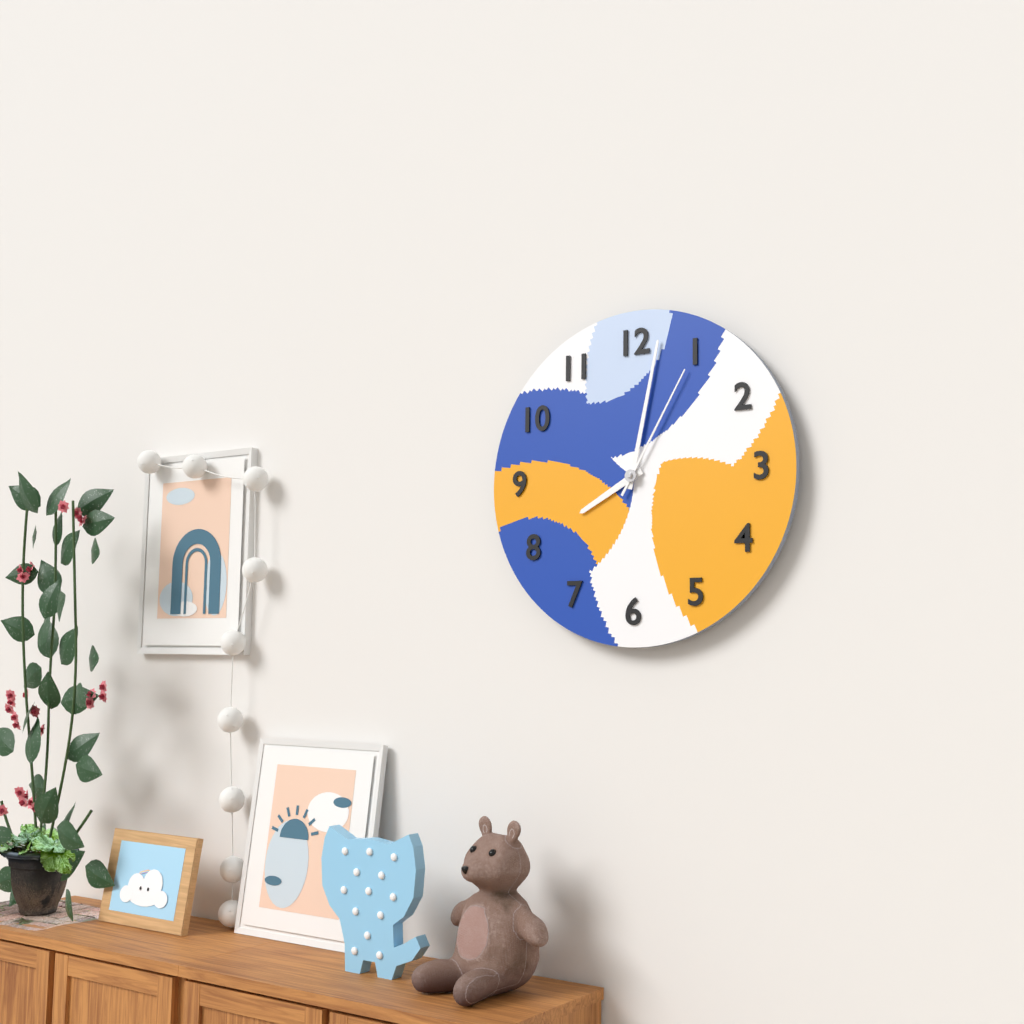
8:02:05
